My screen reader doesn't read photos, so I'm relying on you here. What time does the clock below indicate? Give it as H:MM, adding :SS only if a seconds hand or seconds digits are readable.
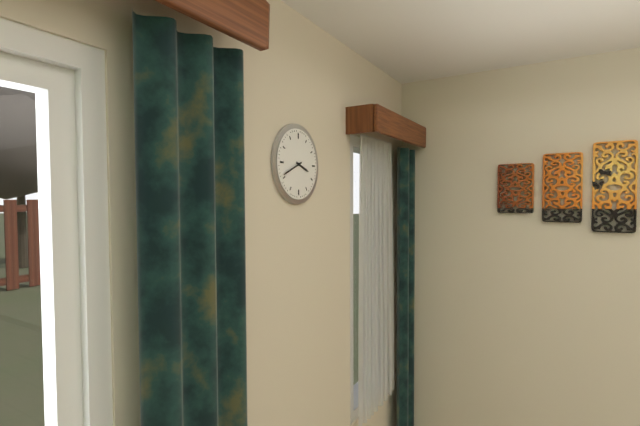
3:41
